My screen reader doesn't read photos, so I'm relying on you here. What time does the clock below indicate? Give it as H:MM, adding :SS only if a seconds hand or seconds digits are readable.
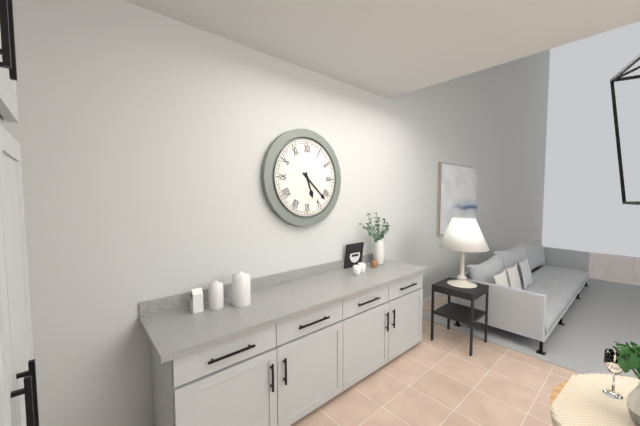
5:22
